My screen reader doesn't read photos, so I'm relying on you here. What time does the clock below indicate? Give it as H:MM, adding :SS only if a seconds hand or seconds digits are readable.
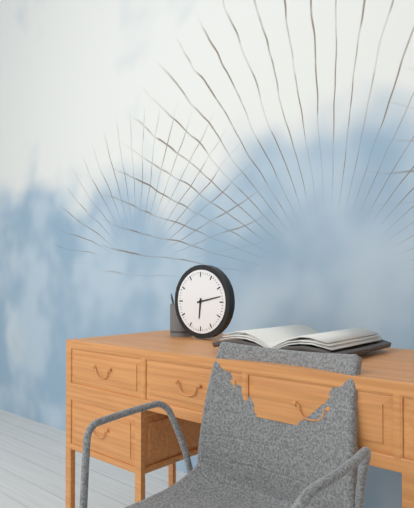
6:13
